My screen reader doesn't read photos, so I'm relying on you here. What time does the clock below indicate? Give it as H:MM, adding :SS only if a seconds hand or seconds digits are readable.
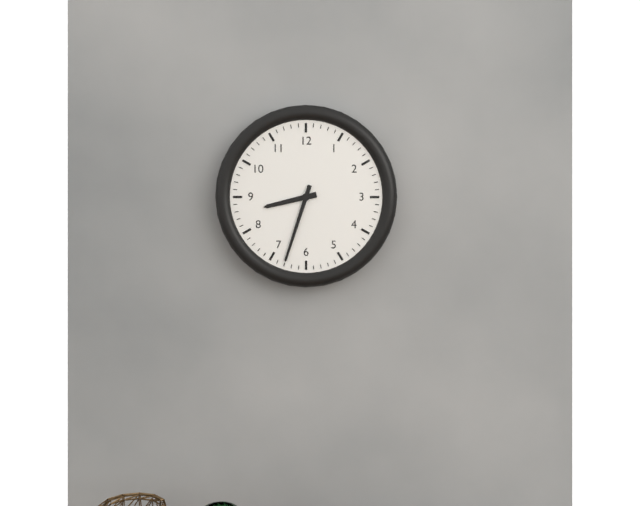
8:33
